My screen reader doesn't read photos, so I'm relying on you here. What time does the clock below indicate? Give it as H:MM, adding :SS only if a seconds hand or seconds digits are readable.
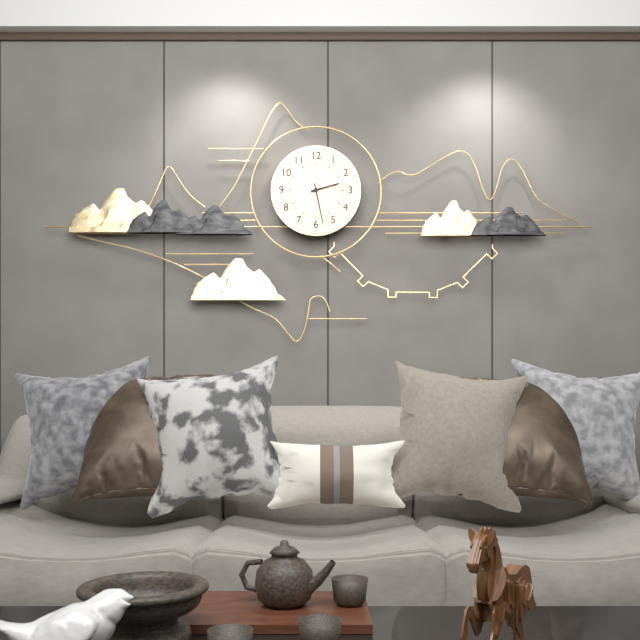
2:28
